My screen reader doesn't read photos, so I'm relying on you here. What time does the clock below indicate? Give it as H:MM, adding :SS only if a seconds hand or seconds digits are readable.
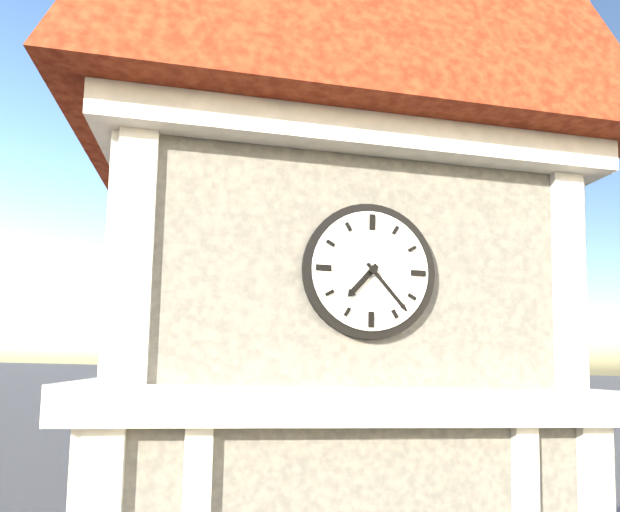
7:23
